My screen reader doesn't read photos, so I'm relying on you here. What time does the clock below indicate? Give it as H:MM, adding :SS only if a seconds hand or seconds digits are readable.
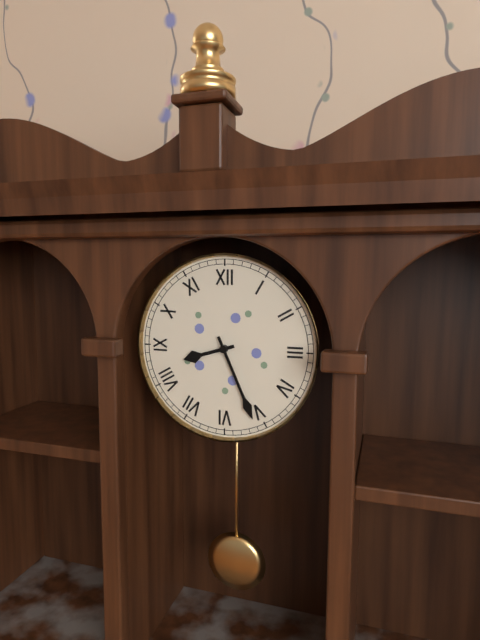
8:26
